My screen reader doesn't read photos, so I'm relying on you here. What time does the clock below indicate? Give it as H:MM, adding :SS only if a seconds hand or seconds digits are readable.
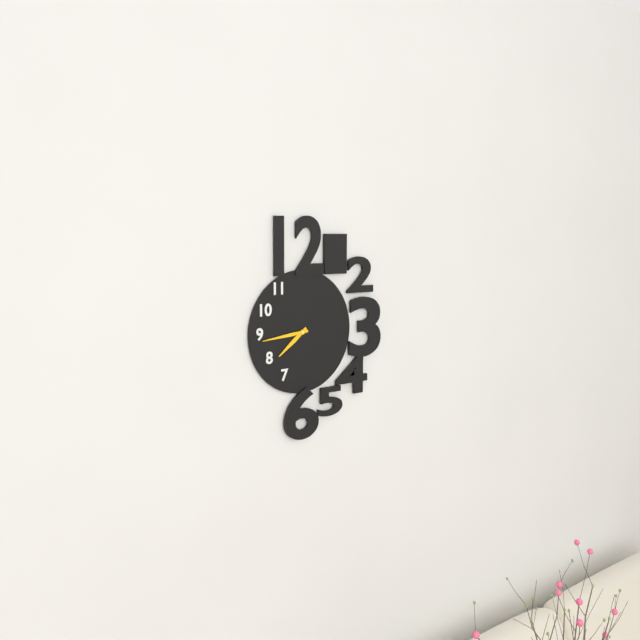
7:44
